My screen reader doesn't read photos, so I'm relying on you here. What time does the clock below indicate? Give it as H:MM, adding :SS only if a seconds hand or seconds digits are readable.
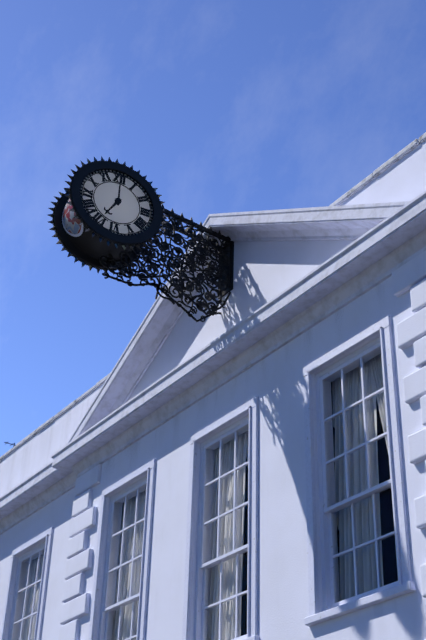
7:00
